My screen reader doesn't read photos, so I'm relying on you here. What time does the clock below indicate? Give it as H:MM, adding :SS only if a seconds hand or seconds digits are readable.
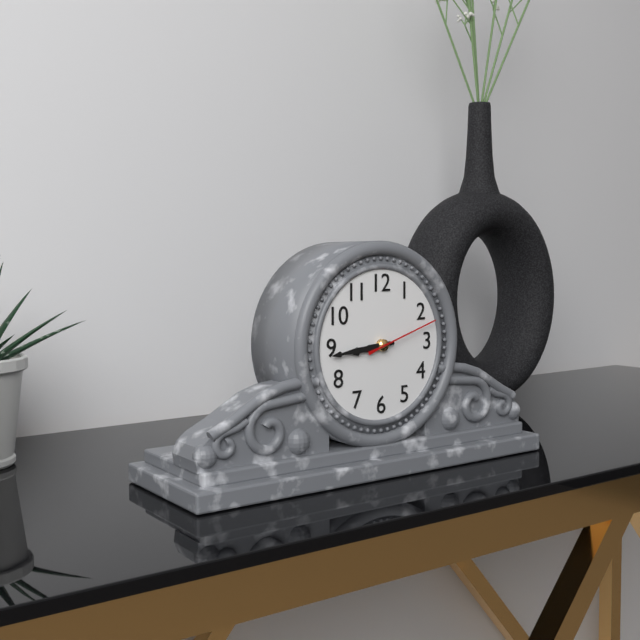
8:44:12
